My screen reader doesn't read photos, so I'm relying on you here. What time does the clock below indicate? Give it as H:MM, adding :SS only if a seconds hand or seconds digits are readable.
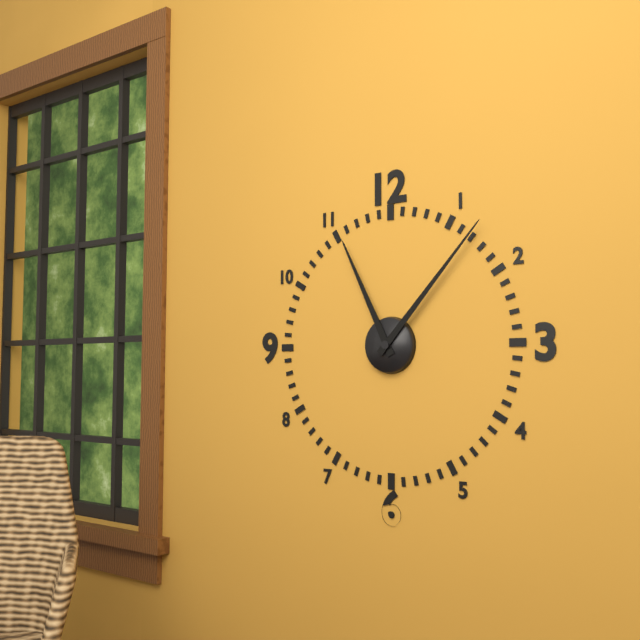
11:07
